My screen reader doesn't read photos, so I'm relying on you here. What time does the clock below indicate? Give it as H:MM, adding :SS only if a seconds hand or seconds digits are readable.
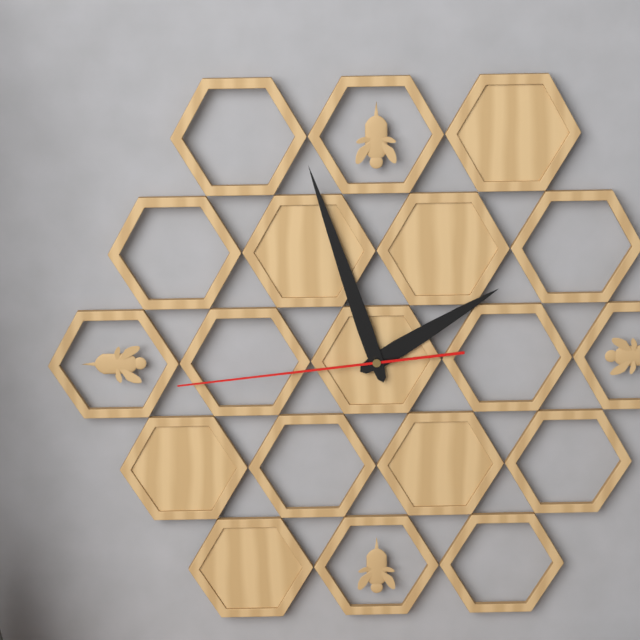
1:57:44
